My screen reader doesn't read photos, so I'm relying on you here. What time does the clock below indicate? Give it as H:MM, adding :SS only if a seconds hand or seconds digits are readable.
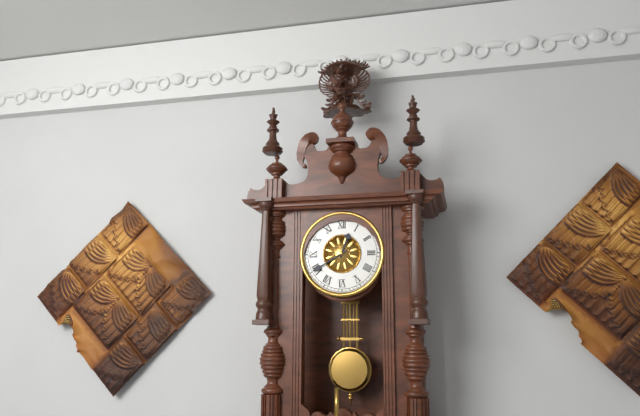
12:40
